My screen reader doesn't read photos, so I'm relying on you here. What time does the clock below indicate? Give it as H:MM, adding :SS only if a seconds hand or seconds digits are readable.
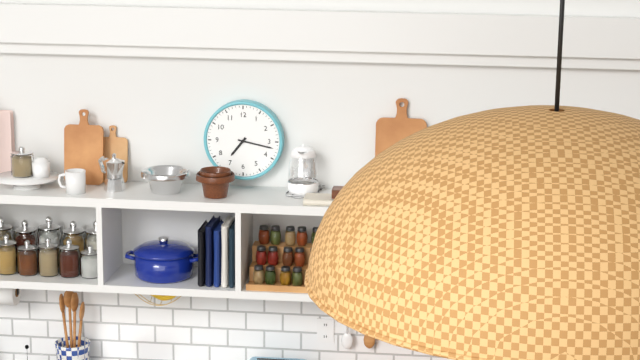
7:17
